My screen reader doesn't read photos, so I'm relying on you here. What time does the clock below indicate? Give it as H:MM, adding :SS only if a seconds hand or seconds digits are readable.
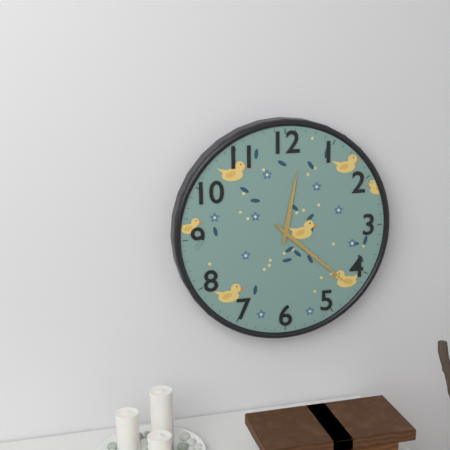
12:22
